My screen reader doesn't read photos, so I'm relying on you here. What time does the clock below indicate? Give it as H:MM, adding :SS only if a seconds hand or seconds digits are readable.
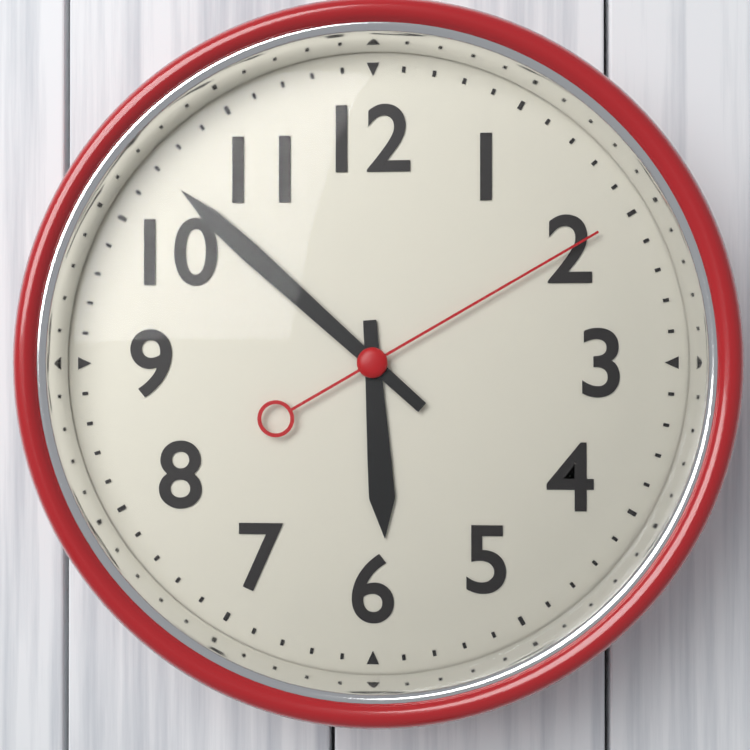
5:52:10
